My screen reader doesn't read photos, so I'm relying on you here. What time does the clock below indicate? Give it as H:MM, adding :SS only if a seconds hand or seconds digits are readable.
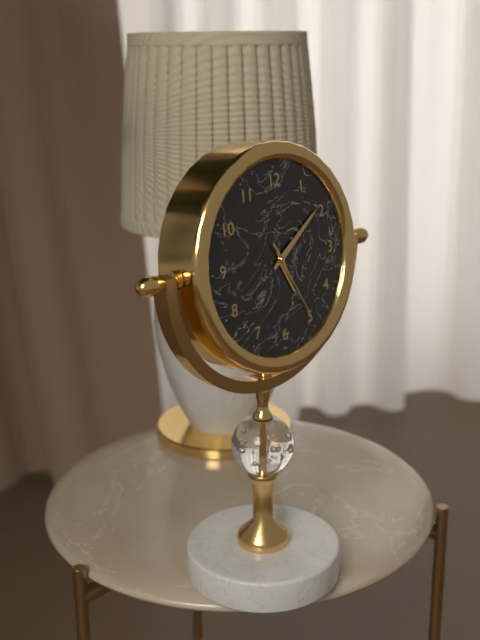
5:09:25
